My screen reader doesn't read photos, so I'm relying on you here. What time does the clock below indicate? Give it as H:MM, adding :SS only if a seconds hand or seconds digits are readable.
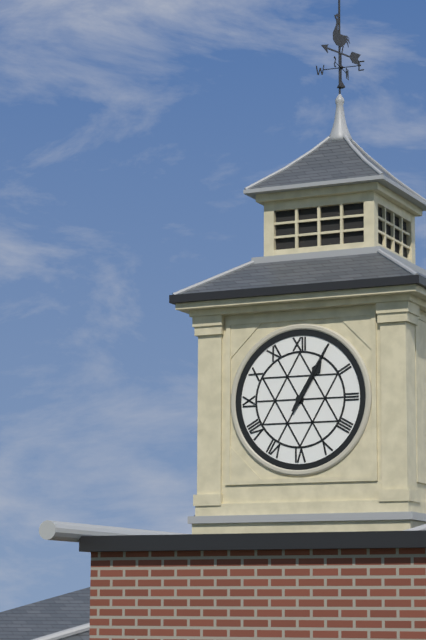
1:05
